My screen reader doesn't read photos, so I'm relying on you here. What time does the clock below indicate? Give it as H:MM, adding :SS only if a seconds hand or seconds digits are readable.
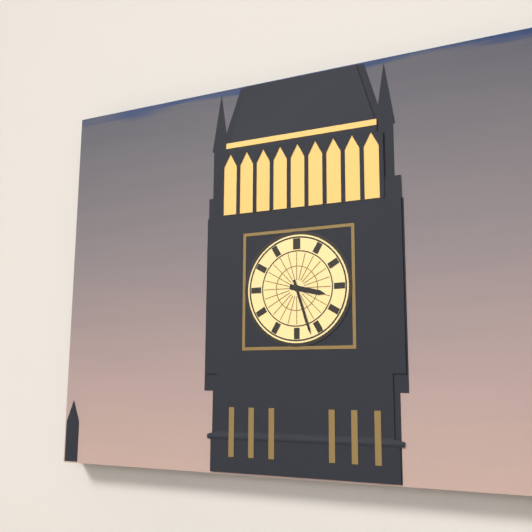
3:27
